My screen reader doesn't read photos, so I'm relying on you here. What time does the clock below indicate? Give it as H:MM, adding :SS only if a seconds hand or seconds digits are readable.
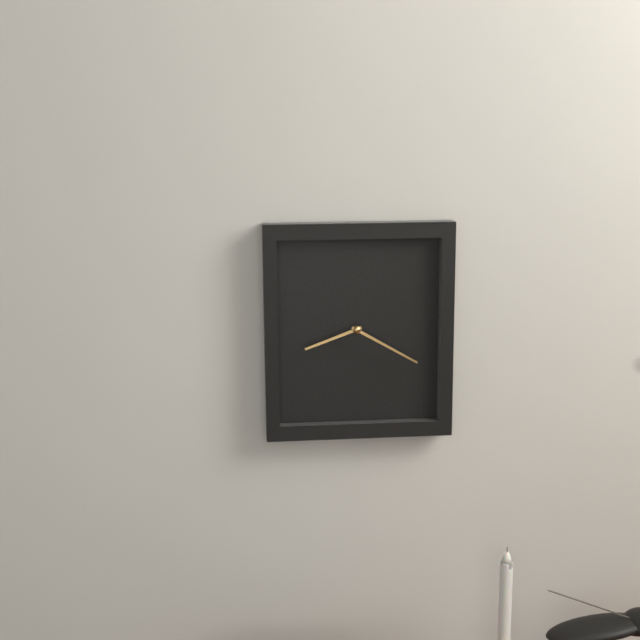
8:20
